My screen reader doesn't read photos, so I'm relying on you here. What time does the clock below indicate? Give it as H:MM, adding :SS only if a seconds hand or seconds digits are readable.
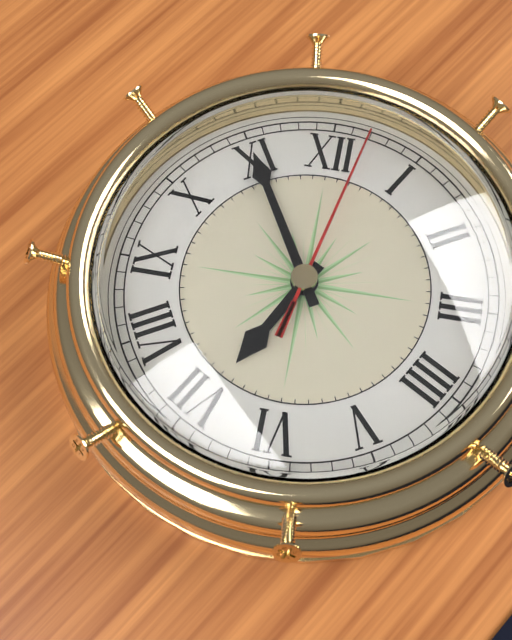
6:55:02
